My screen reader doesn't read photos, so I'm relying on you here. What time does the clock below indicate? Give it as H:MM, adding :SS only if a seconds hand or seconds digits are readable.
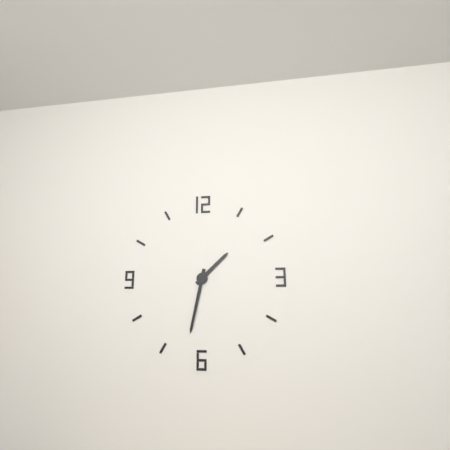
1:32
